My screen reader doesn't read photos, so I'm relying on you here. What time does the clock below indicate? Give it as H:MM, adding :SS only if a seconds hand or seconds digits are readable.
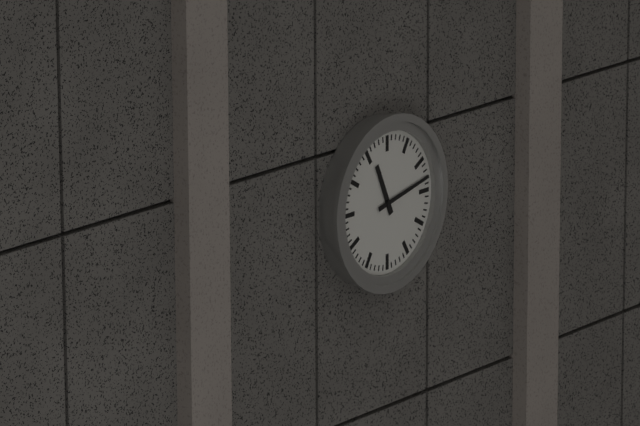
11:13
